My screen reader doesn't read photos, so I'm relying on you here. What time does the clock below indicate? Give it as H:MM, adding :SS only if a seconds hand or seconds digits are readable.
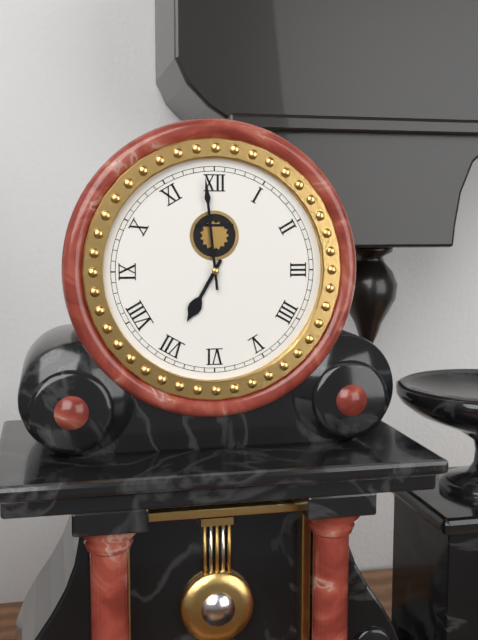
6:59
